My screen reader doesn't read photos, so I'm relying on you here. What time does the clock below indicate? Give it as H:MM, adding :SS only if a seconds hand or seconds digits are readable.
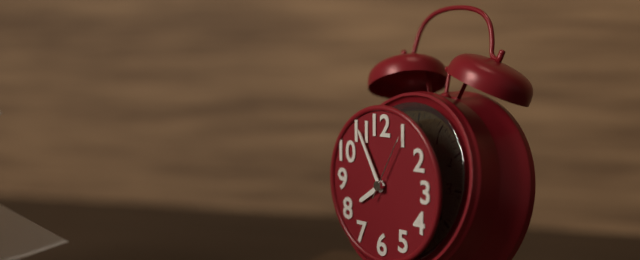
7:55:05
